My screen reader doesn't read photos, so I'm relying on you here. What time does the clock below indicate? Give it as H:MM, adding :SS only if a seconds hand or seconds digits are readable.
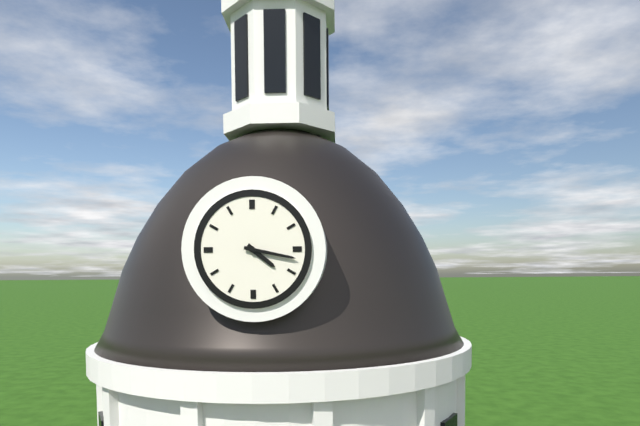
4:17
